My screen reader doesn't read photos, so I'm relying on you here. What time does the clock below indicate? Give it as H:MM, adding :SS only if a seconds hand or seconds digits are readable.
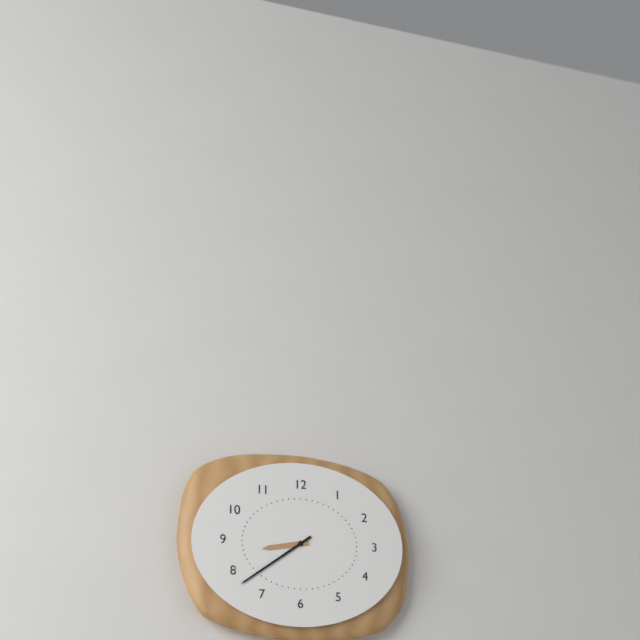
8:39
